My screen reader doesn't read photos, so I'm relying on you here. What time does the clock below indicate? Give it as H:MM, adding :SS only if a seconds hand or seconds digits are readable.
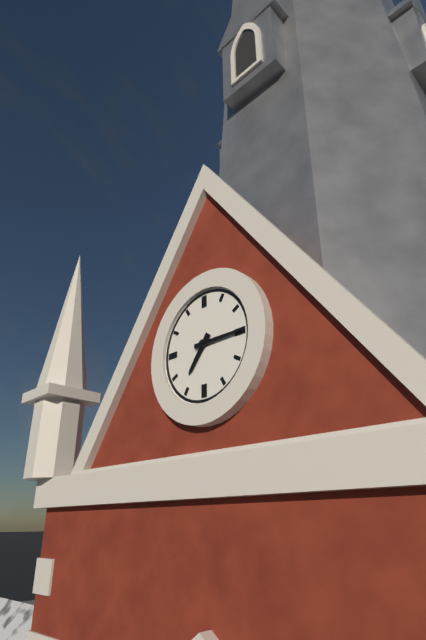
7:15
